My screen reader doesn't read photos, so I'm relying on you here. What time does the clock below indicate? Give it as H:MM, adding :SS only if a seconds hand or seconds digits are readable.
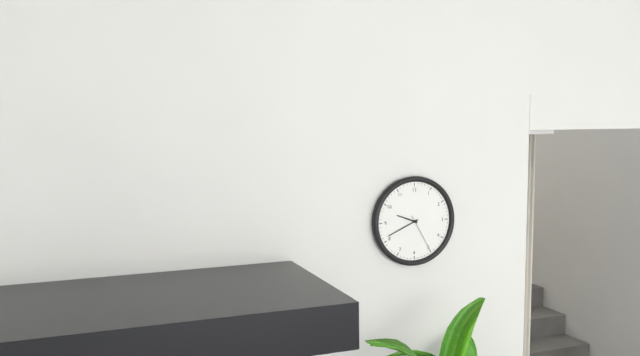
9:41
